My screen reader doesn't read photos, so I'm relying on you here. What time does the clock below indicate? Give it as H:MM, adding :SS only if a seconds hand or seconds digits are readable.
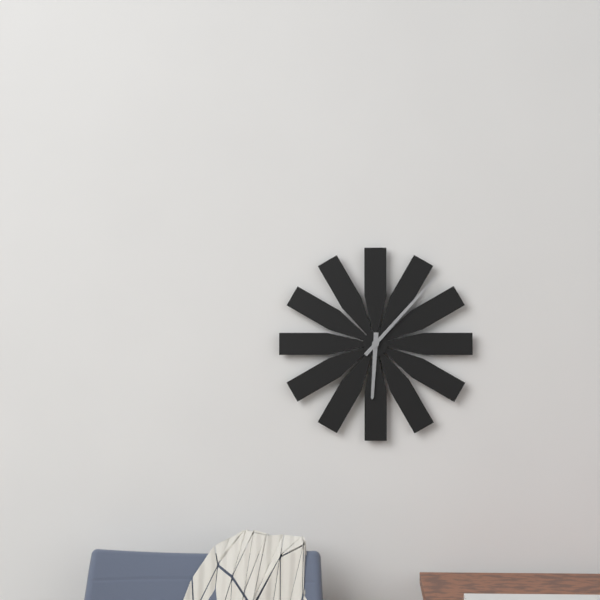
6:07
